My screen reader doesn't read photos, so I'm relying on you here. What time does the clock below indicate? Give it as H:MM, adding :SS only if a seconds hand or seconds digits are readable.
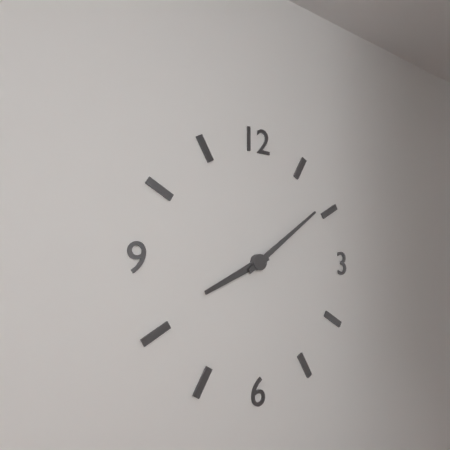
8:09
